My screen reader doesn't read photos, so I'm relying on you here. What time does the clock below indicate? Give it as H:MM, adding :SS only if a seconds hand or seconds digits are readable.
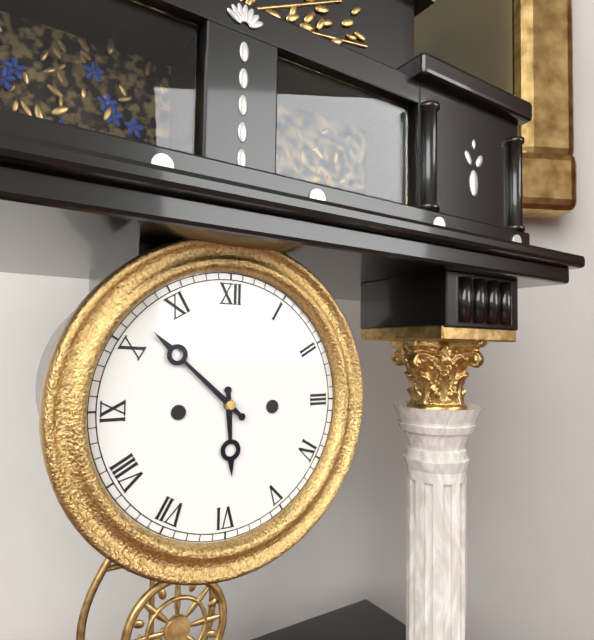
5:52
